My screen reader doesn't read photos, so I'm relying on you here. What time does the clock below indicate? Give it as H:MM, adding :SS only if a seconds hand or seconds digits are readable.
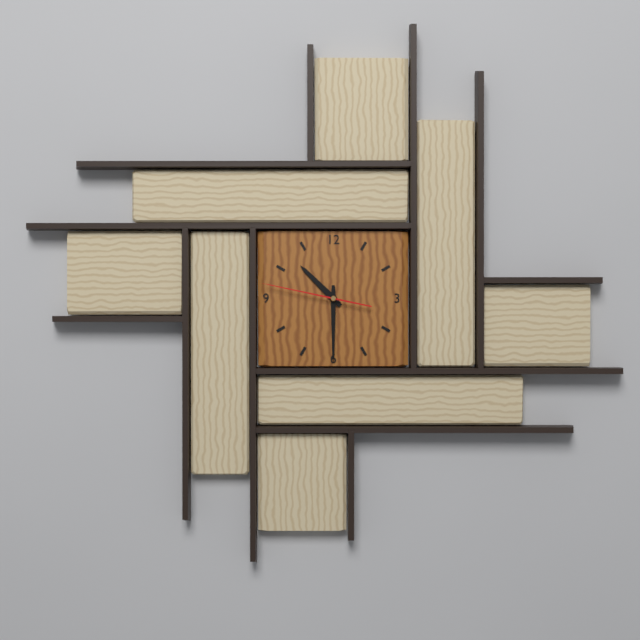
10:30:47
